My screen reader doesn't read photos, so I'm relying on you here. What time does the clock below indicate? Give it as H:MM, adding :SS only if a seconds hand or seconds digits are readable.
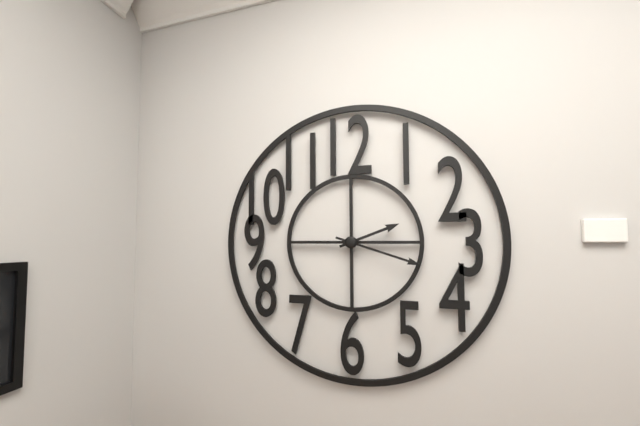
2:18
